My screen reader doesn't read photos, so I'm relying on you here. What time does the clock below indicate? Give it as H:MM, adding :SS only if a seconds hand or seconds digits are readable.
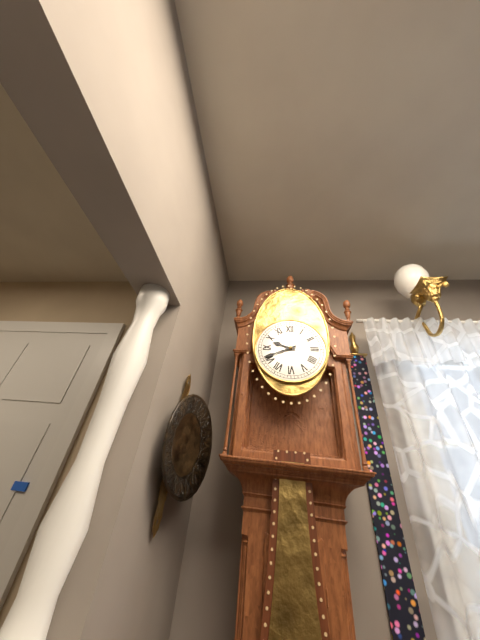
9:41
